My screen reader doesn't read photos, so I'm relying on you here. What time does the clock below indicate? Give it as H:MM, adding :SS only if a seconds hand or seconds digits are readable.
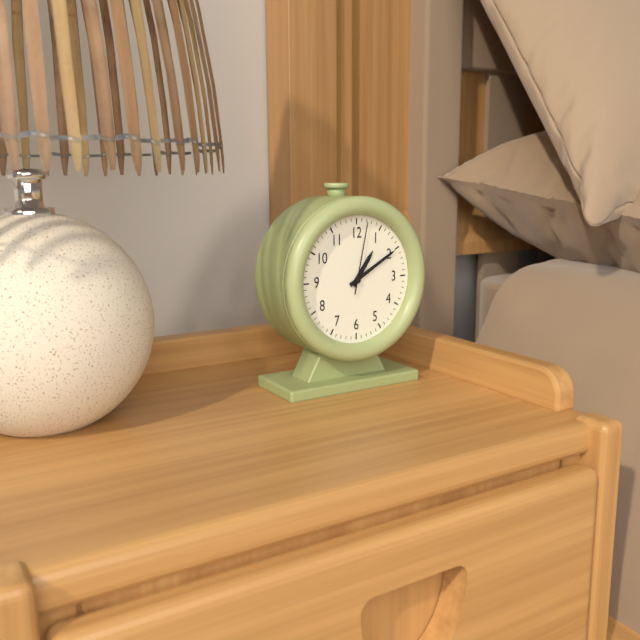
1:10:02
